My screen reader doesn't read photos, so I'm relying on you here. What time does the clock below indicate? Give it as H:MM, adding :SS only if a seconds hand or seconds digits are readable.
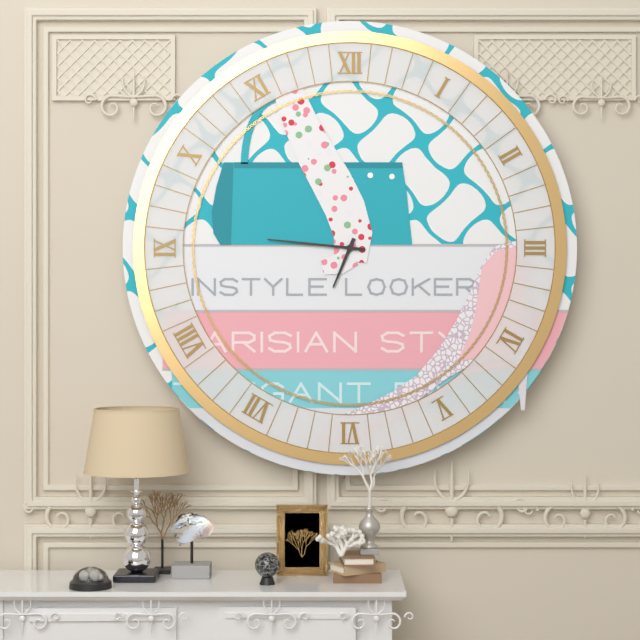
6:46
